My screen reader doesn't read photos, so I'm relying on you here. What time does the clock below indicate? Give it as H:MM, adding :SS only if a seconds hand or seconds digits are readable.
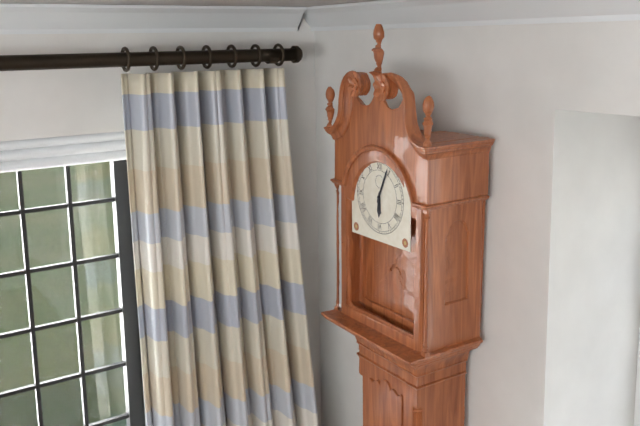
6:04
